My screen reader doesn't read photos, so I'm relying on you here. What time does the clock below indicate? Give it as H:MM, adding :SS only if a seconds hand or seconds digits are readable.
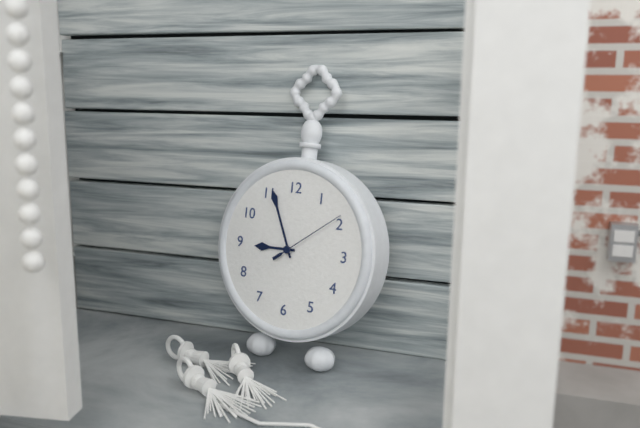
8:56:09
